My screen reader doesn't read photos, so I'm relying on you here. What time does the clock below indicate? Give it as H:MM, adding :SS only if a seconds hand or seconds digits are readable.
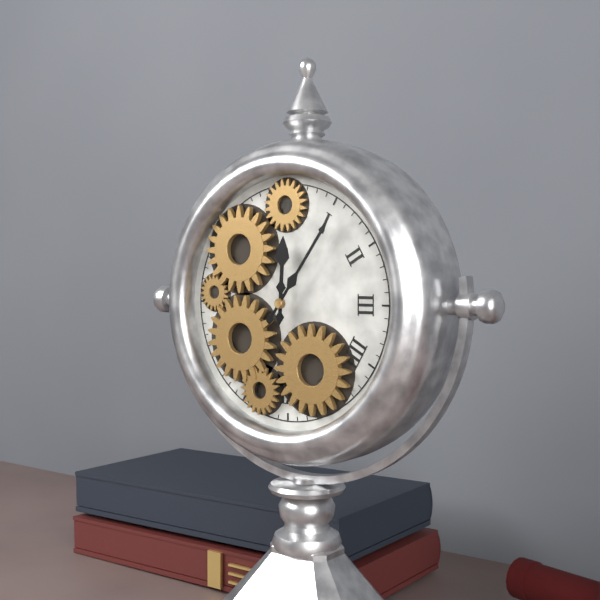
12:06
